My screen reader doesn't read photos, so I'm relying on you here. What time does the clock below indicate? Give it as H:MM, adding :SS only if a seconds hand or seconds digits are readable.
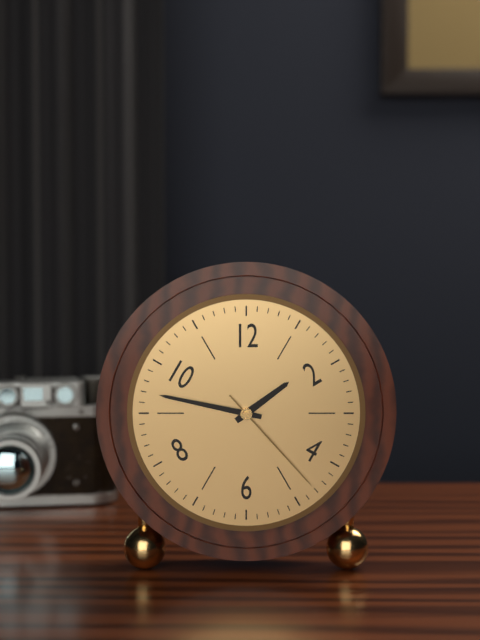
1:47:23
